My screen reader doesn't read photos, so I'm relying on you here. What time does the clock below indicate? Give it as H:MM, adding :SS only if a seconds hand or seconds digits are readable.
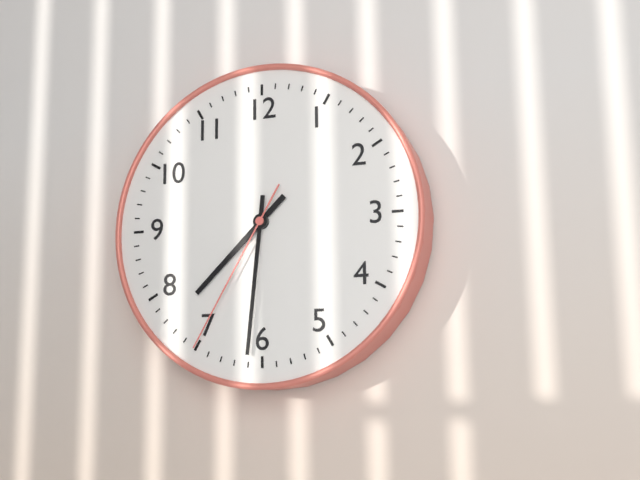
7:31:35
